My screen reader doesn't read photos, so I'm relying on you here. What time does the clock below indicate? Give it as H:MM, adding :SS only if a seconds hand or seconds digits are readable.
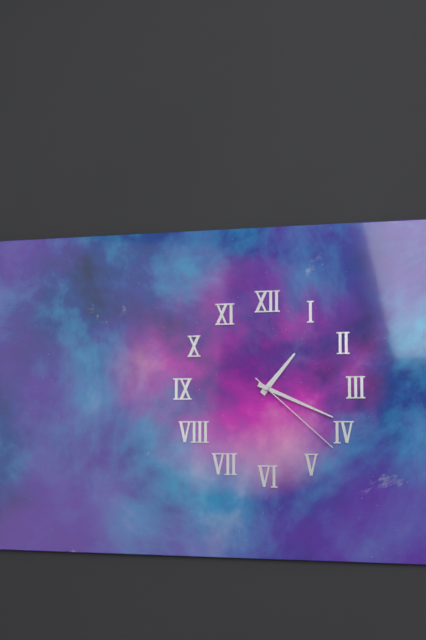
1:19:22
